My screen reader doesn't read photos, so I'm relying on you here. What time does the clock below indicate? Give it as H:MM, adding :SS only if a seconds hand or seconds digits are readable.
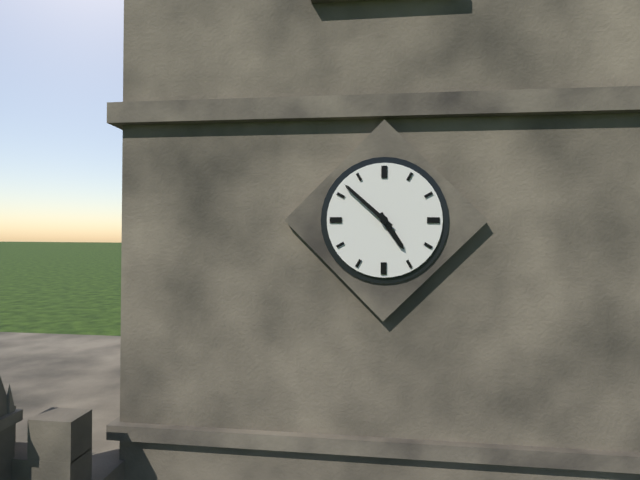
4:52
